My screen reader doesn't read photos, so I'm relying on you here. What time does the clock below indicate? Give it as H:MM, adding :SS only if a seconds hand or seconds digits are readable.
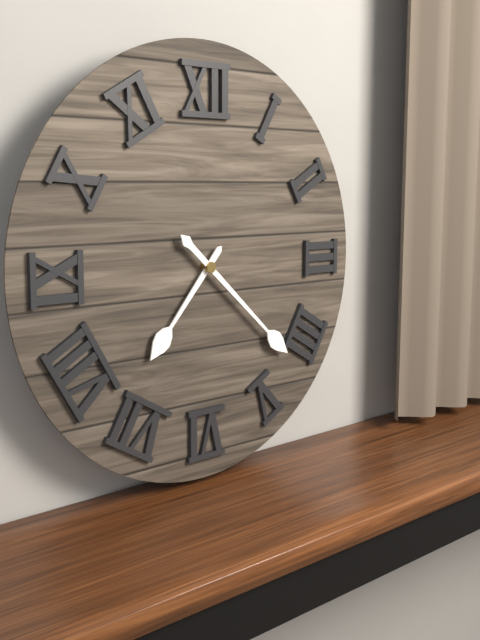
7:22
